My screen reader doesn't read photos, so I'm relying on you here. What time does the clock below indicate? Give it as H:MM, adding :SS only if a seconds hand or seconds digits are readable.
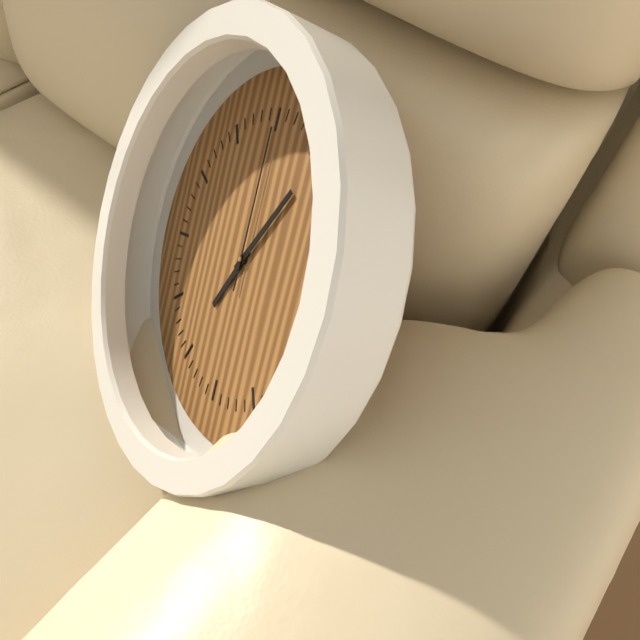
7:06:00
